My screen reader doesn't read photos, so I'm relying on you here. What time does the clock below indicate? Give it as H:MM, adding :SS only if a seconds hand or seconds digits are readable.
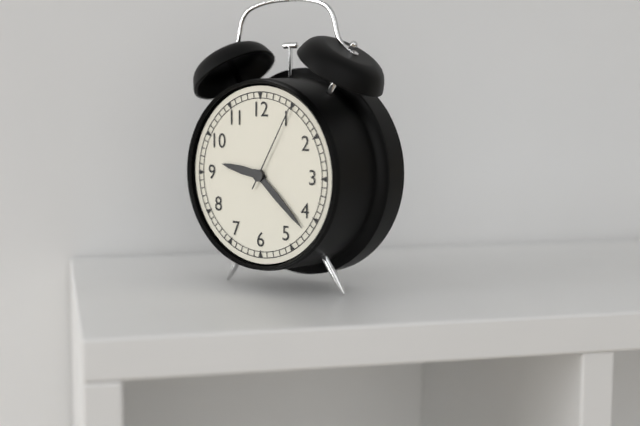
9:22:05
